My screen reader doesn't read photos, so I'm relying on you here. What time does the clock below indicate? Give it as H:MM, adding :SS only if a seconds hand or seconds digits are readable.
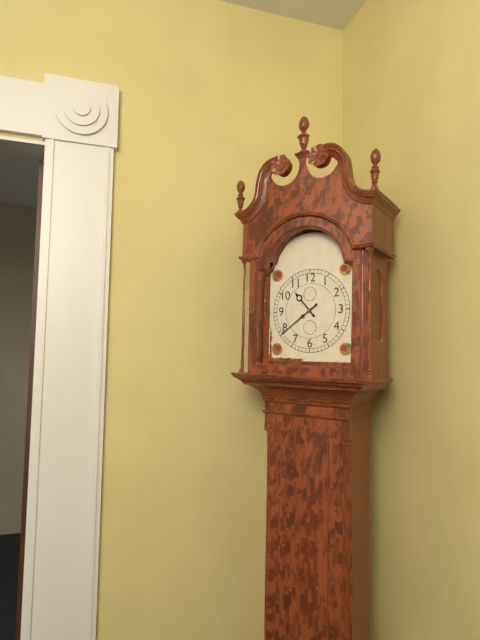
10:39
